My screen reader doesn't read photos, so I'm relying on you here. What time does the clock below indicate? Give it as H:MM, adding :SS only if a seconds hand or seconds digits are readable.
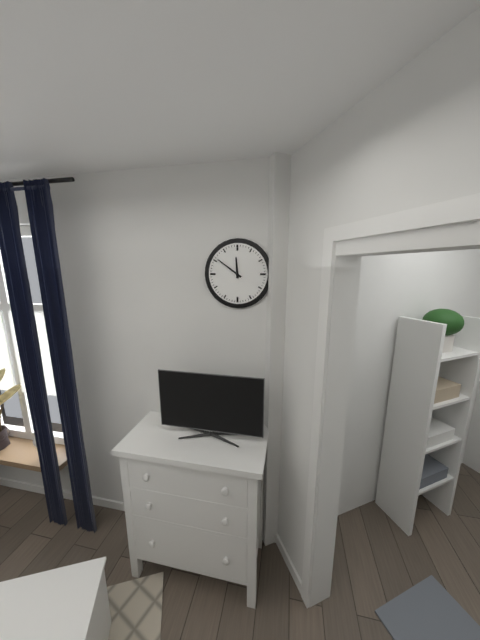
11:51
